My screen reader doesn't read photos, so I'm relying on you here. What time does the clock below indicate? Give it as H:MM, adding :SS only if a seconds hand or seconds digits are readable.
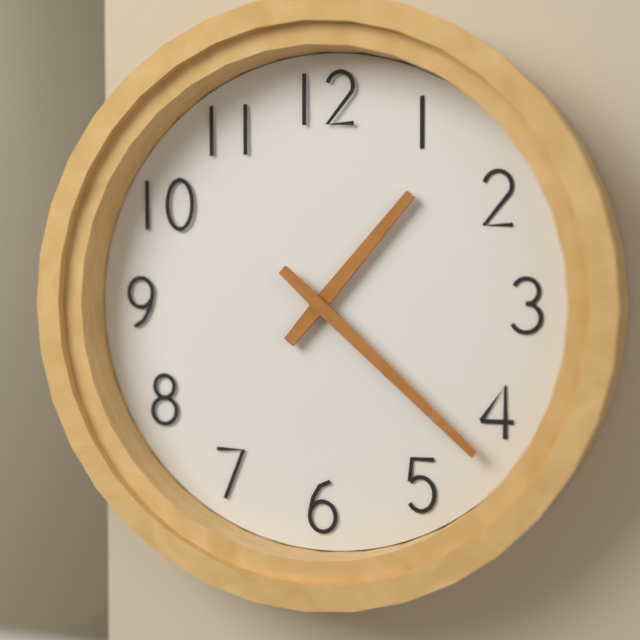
1:22
